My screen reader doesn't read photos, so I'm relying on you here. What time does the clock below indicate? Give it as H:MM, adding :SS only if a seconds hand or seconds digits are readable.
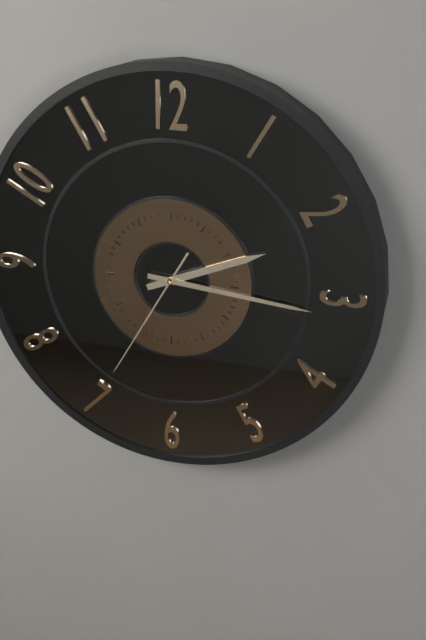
2:16:35
